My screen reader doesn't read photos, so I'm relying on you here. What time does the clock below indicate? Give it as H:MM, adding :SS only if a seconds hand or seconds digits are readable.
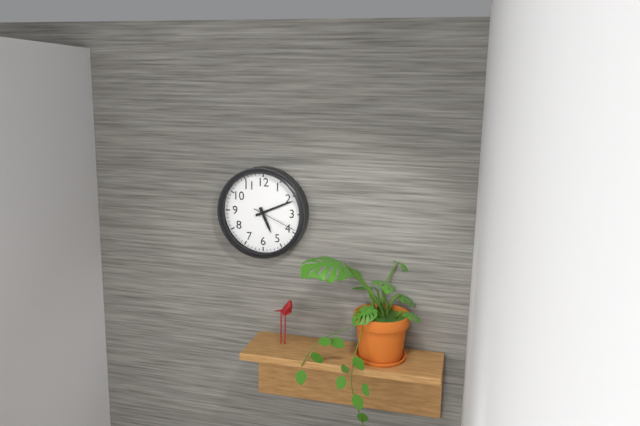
5:11
